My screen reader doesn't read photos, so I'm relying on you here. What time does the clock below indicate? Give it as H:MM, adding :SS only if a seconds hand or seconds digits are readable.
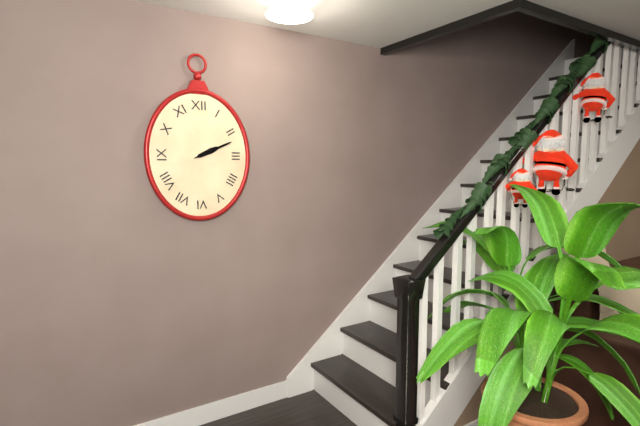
2:11
